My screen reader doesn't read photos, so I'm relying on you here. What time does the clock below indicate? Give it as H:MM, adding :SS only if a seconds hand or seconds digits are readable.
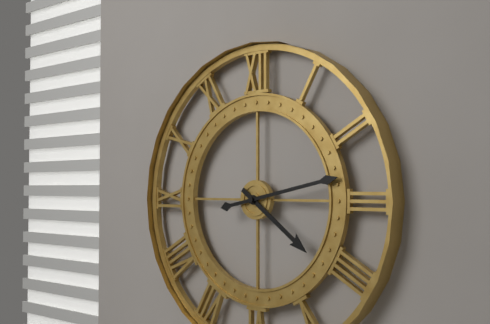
4:13
